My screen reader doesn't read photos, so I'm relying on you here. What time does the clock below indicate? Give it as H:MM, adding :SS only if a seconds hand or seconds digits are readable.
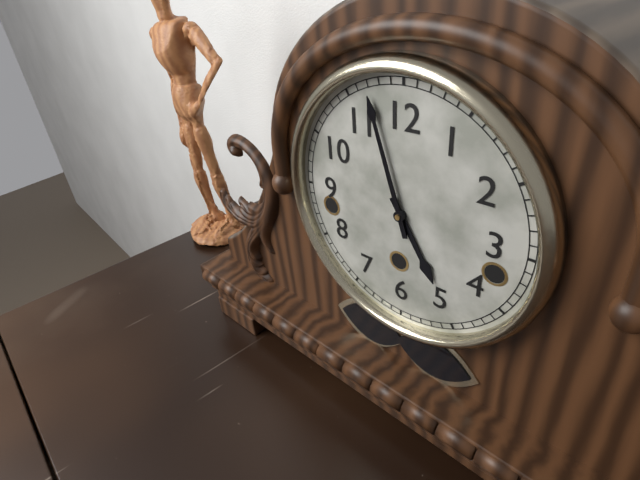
4:57
